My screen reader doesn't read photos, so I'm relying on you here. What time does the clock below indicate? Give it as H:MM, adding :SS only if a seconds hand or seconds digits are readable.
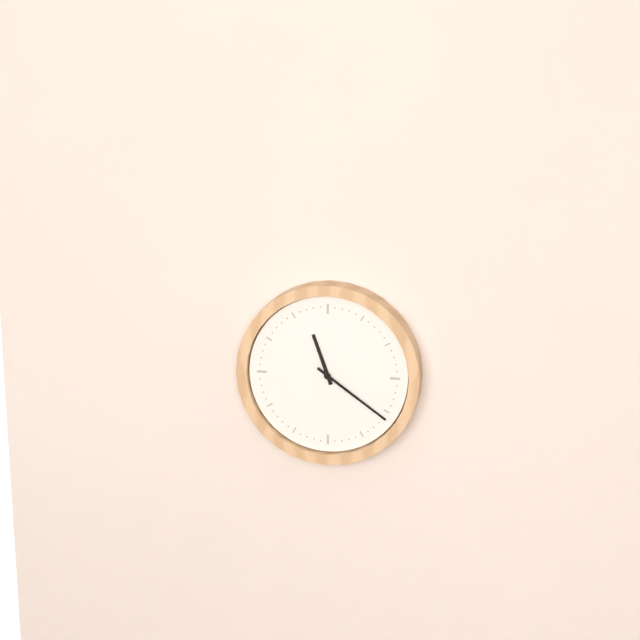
11:21
